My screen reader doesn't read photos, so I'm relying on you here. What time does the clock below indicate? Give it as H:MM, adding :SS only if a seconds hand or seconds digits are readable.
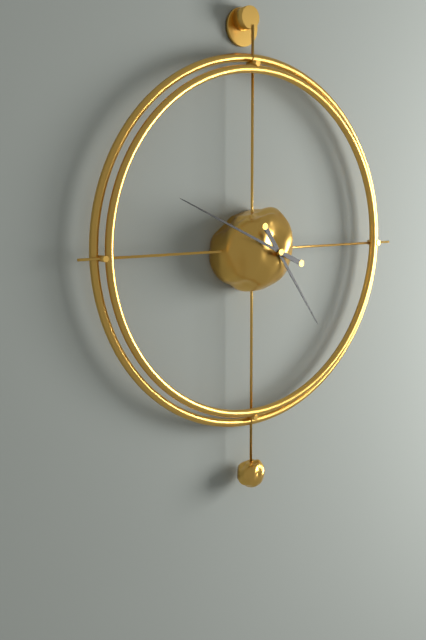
4:49
